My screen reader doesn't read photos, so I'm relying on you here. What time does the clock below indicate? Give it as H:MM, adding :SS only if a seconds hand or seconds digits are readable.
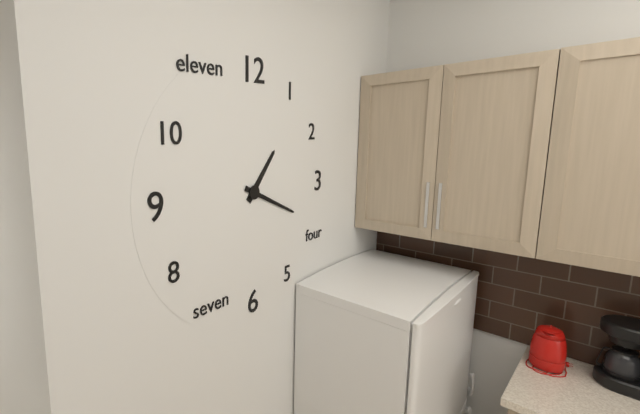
1:19
